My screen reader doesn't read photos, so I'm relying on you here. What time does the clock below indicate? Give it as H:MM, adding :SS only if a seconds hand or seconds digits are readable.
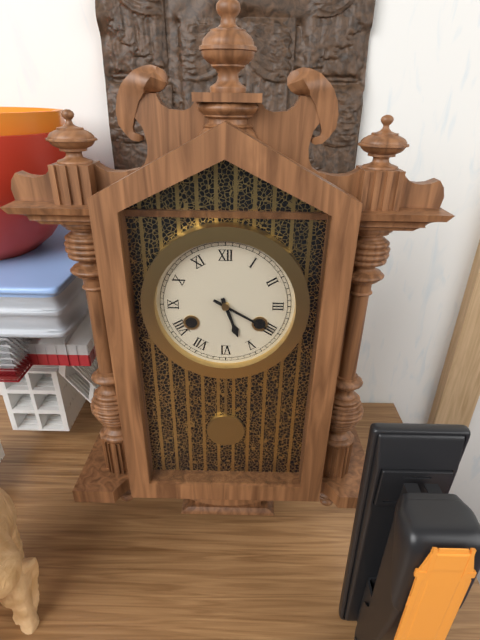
5:20
